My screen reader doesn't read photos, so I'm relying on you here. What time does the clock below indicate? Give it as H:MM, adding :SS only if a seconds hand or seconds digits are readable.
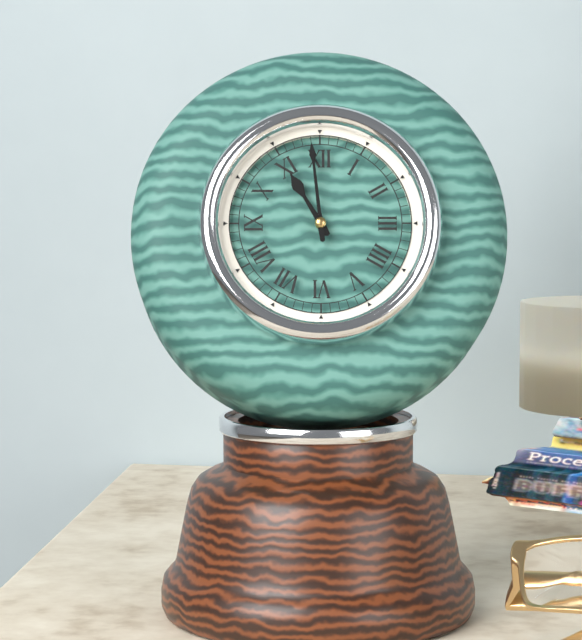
10:59
